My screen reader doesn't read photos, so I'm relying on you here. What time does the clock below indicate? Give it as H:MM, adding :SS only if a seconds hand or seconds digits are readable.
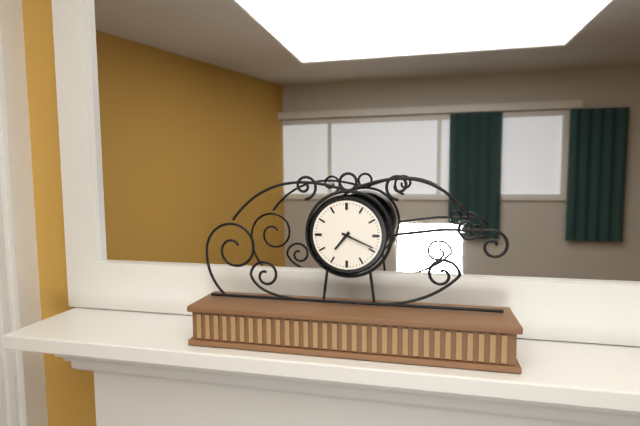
7:19
